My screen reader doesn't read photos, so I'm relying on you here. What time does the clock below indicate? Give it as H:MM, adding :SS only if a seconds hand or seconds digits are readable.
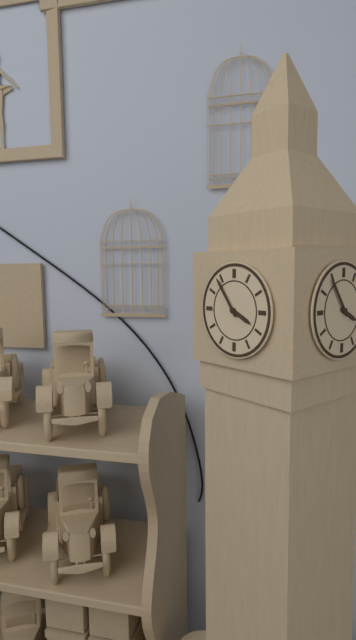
3:54
